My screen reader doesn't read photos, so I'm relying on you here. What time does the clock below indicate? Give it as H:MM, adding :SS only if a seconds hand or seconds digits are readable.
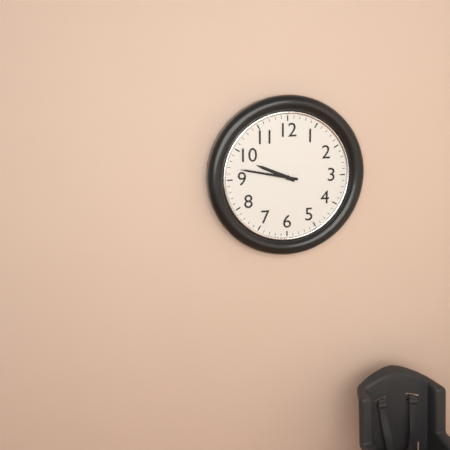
9:47
